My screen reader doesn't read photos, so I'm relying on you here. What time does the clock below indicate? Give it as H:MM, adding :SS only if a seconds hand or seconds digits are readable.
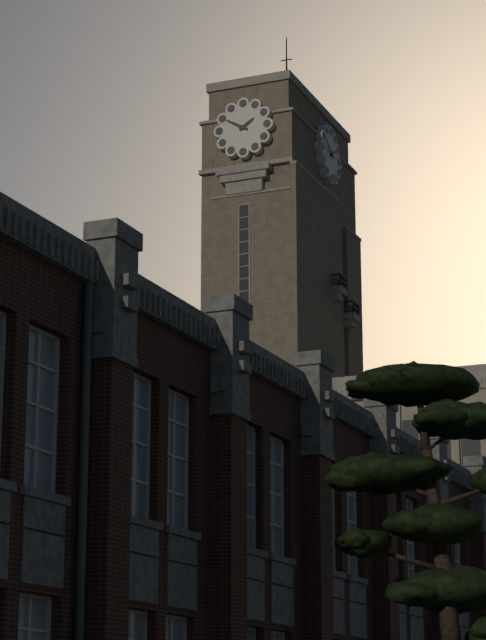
1:50
